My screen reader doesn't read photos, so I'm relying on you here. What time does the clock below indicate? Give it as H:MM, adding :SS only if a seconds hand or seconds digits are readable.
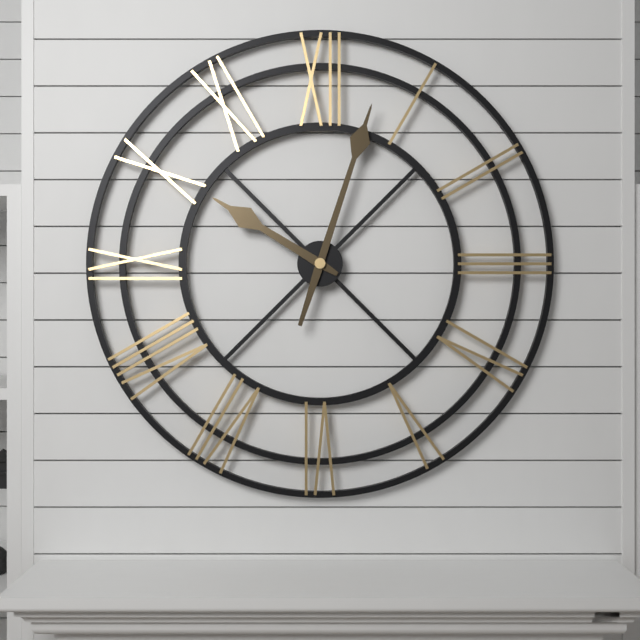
10:03
